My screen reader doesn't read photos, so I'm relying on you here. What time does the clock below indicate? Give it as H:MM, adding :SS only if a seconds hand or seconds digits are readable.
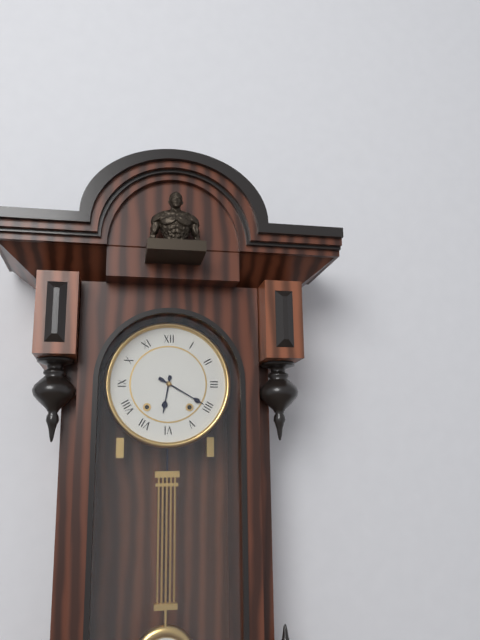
6:20
